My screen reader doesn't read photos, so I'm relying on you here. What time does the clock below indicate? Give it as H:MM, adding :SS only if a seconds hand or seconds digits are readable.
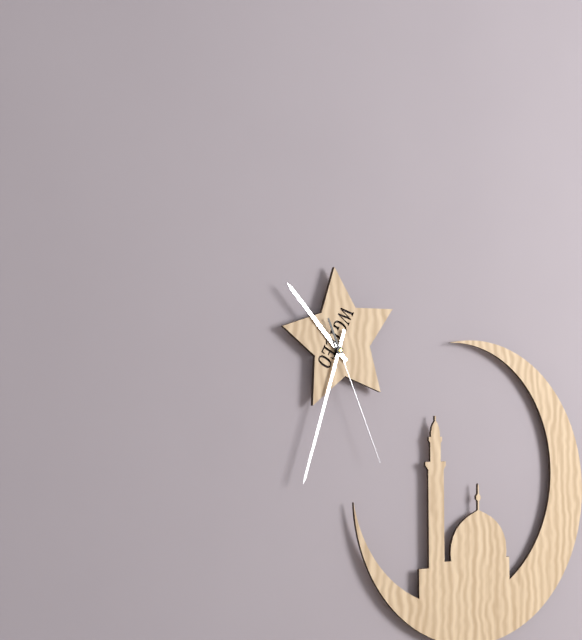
10:33:26
